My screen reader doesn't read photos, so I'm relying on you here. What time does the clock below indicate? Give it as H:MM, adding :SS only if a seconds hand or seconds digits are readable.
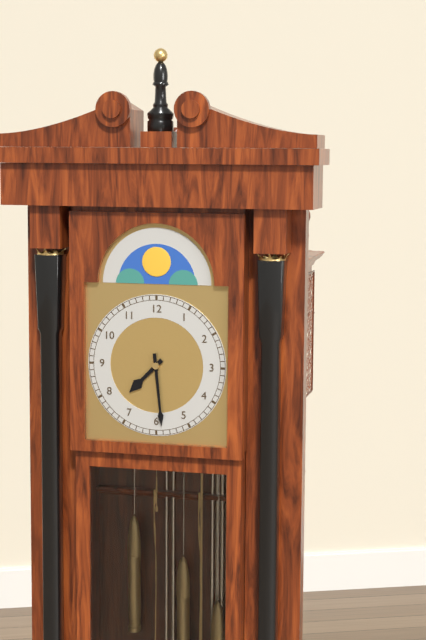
7:29
